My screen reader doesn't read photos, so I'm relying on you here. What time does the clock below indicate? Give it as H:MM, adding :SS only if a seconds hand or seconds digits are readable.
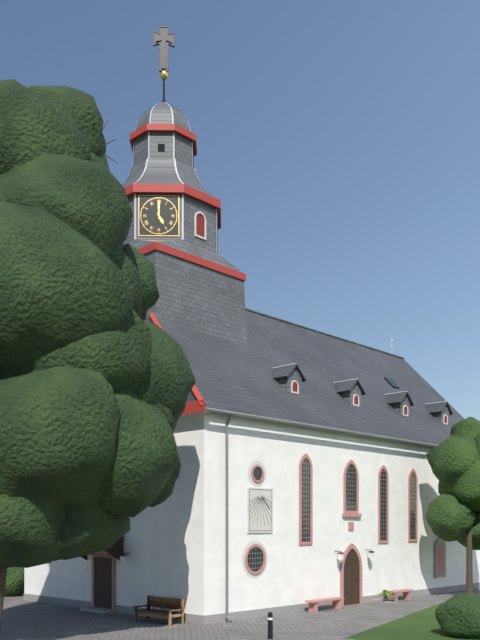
5:00
